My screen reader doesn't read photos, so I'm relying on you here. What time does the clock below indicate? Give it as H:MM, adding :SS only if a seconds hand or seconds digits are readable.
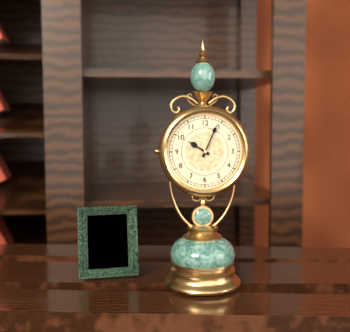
10:04
